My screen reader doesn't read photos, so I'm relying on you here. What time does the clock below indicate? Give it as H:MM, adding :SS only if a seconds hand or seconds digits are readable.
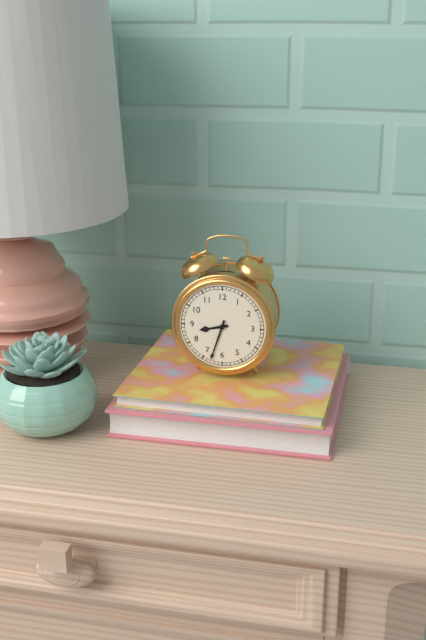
8:33
